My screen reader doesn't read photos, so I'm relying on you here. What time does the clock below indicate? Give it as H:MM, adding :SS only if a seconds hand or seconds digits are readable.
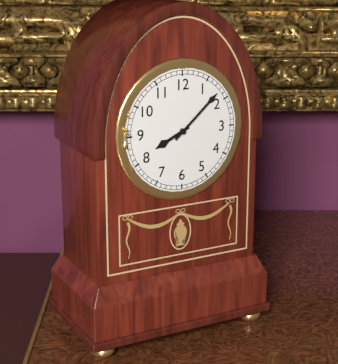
8:08
